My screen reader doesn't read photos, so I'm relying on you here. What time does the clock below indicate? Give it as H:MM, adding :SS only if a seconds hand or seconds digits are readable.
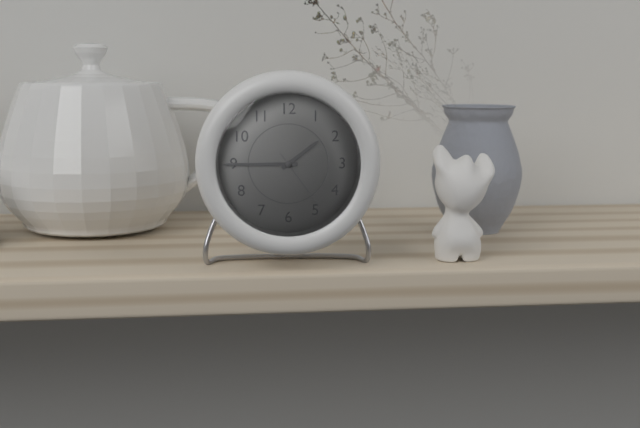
1:45:24
